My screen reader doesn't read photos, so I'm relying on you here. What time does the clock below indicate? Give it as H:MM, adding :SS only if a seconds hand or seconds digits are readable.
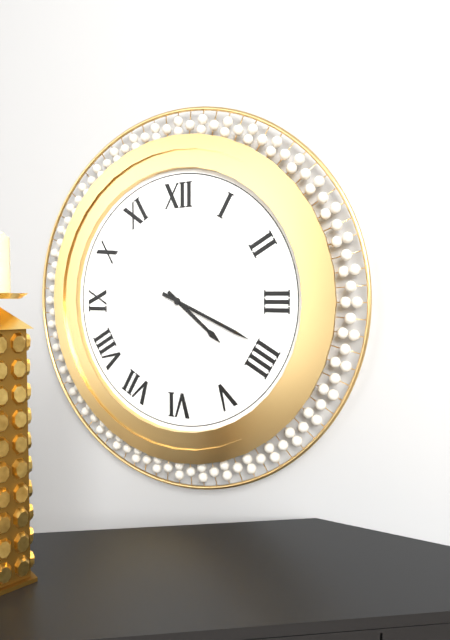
4:19
